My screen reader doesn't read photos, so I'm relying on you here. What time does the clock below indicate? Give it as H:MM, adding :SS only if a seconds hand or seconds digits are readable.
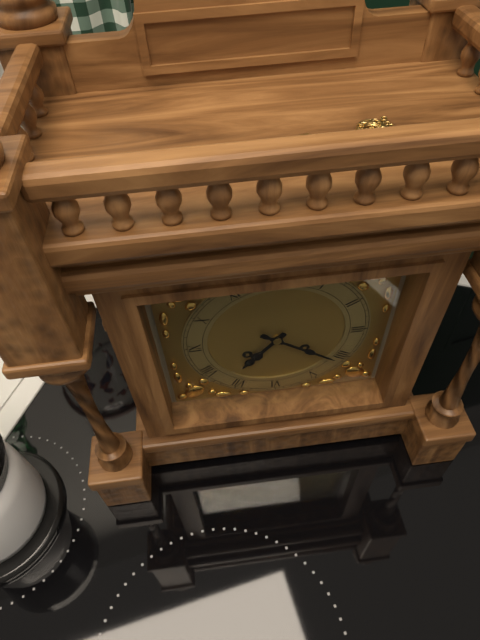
7:21
